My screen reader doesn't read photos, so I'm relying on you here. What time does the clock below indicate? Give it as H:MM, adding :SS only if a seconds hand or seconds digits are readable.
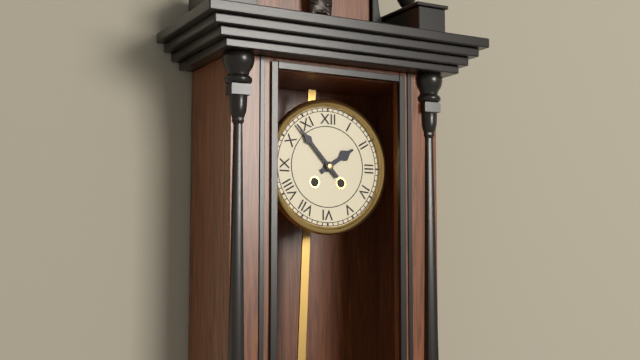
1:53
